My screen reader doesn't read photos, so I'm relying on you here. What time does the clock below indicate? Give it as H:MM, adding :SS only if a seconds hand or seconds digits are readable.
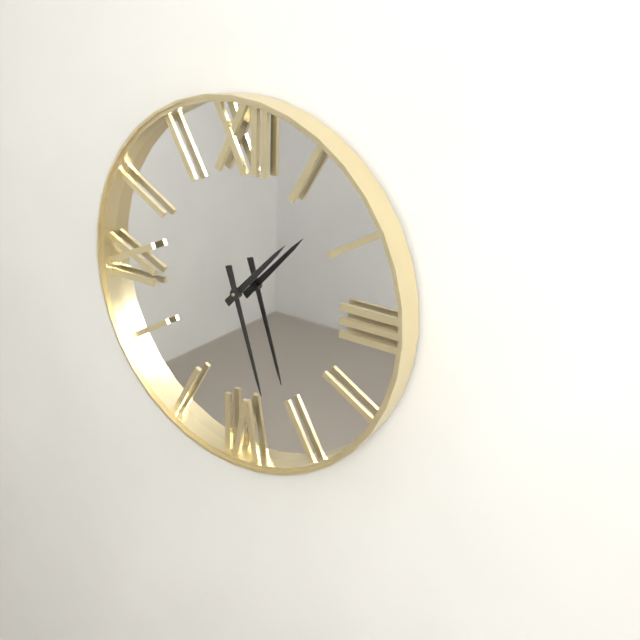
1:27
